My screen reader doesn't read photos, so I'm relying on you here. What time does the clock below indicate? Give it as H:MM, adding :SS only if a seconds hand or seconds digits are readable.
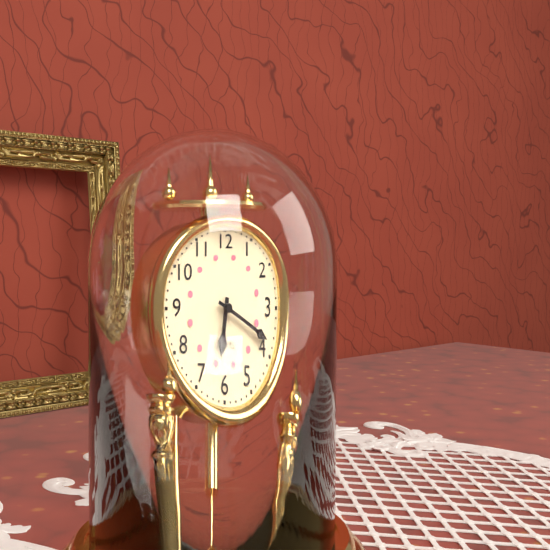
6:19
